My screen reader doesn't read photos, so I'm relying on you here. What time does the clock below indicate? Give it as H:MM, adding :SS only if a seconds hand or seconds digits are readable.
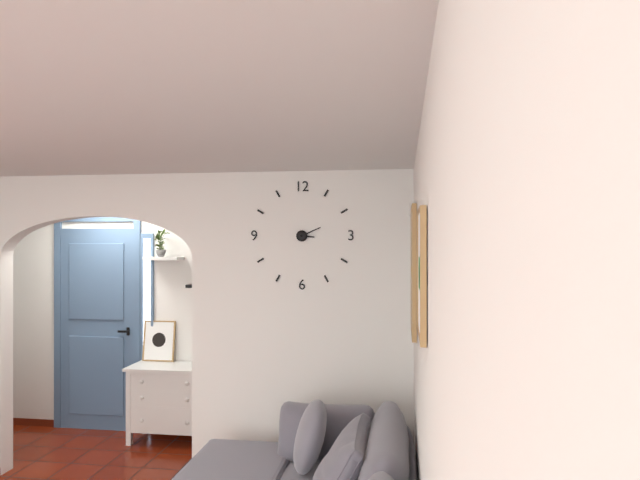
3:11
